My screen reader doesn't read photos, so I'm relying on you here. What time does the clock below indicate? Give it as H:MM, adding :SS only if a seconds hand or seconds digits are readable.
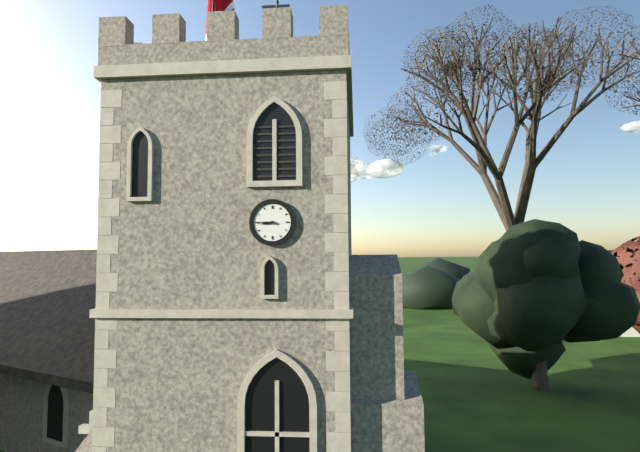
8:45
